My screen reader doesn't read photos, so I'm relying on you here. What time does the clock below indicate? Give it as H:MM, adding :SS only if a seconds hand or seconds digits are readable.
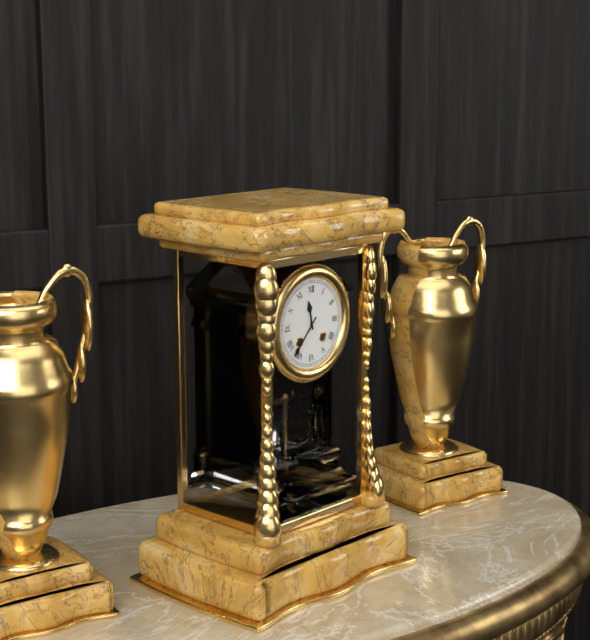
11:37
